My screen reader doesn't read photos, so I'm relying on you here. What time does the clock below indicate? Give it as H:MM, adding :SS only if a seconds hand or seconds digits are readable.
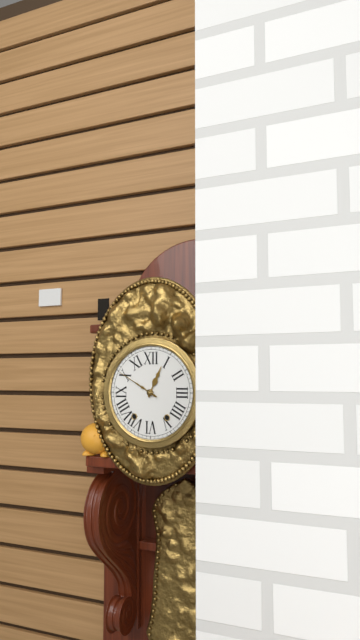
12:50
